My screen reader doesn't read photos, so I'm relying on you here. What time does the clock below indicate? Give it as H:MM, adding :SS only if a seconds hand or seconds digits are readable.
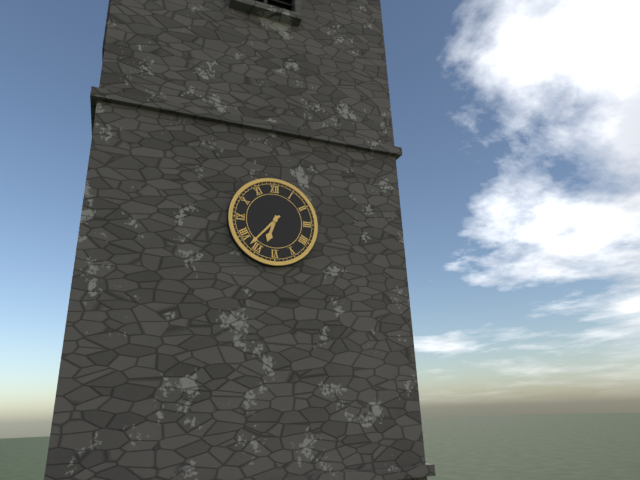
6:37
